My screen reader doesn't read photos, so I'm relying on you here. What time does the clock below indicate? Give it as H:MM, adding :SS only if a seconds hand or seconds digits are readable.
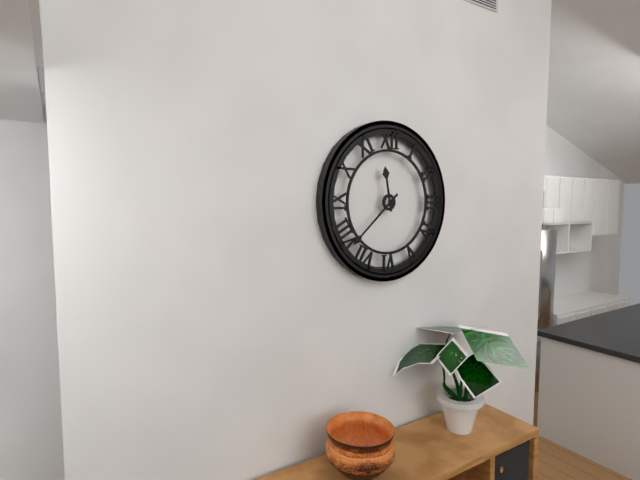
11:38
